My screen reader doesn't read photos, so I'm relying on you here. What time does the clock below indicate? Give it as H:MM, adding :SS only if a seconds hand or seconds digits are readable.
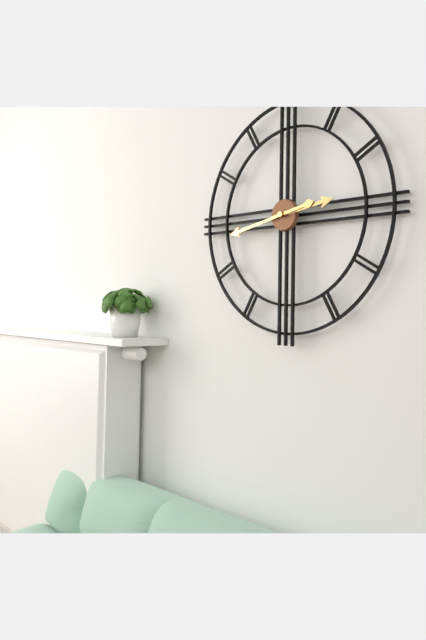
2:43
